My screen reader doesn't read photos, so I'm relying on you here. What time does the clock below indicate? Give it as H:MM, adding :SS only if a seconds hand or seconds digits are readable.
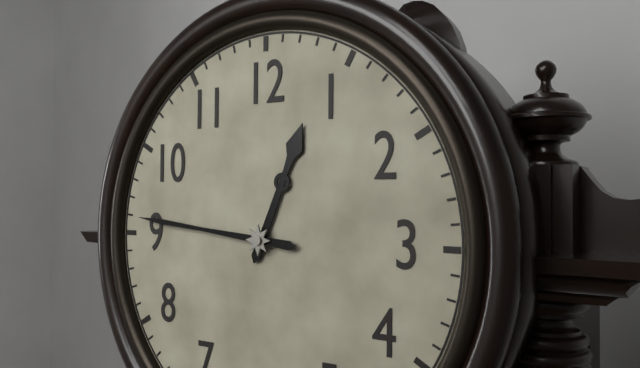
12:46
